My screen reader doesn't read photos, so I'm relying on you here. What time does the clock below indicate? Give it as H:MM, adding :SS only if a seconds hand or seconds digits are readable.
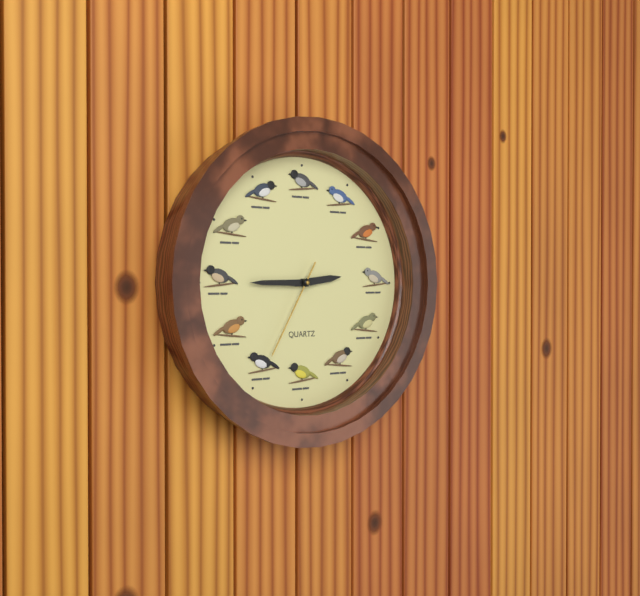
2:45:35
